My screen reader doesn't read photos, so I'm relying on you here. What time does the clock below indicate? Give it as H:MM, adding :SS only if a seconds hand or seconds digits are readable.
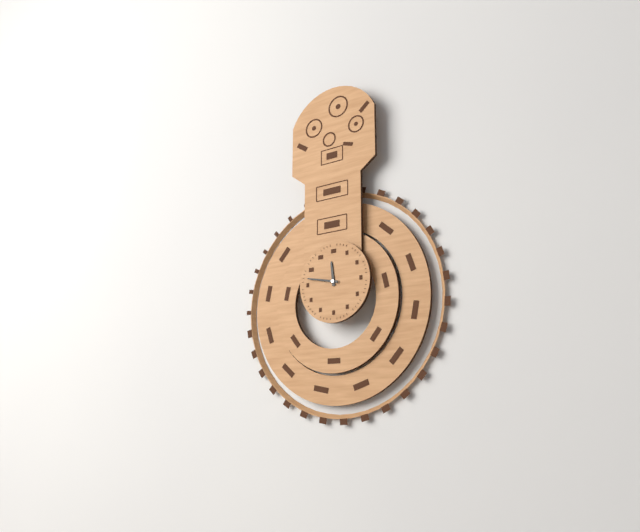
11:47
